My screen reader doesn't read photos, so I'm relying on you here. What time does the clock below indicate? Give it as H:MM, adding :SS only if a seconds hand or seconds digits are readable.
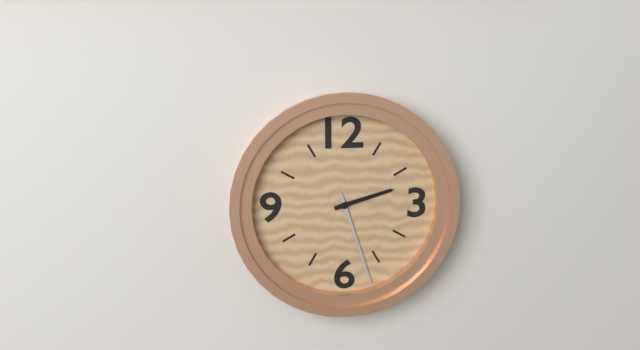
2:27
